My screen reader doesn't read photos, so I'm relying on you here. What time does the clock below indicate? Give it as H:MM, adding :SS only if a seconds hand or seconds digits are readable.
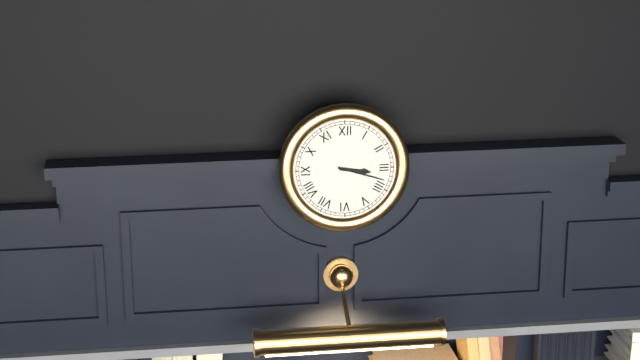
3:18
